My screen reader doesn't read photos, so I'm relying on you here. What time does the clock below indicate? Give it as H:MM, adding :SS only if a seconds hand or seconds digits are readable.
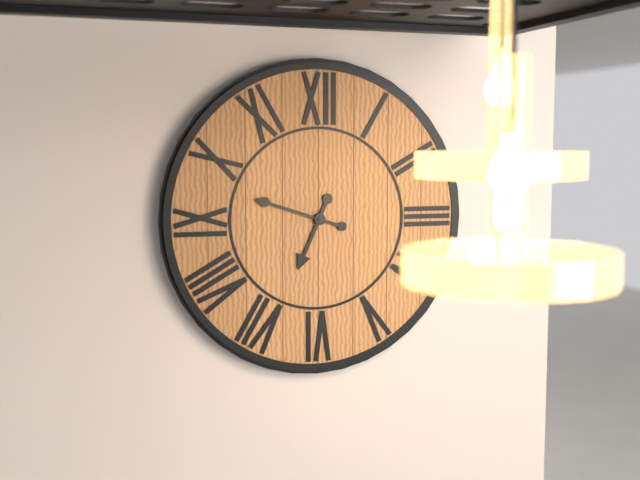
6:48
